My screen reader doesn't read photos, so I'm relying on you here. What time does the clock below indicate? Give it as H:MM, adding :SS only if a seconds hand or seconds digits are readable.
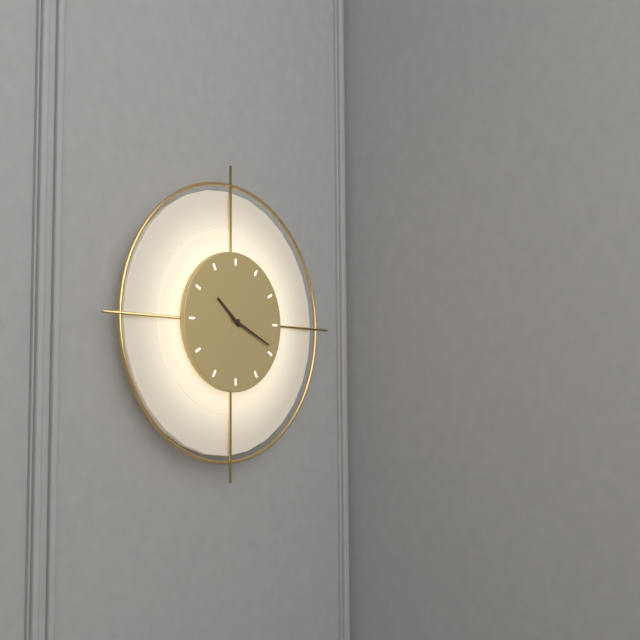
10:19
